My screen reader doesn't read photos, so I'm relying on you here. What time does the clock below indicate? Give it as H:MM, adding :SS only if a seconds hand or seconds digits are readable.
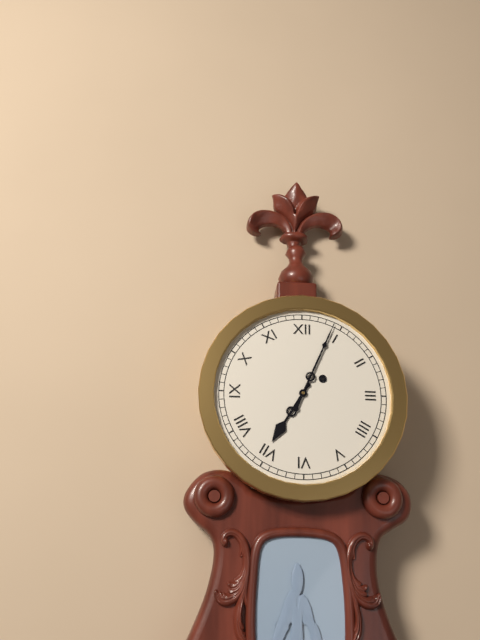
7:04
